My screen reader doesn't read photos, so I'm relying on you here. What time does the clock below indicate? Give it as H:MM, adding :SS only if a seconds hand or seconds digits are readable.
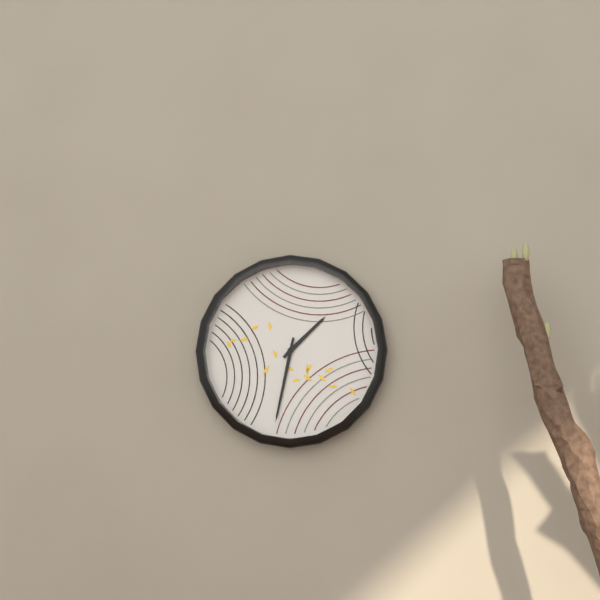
1:32
